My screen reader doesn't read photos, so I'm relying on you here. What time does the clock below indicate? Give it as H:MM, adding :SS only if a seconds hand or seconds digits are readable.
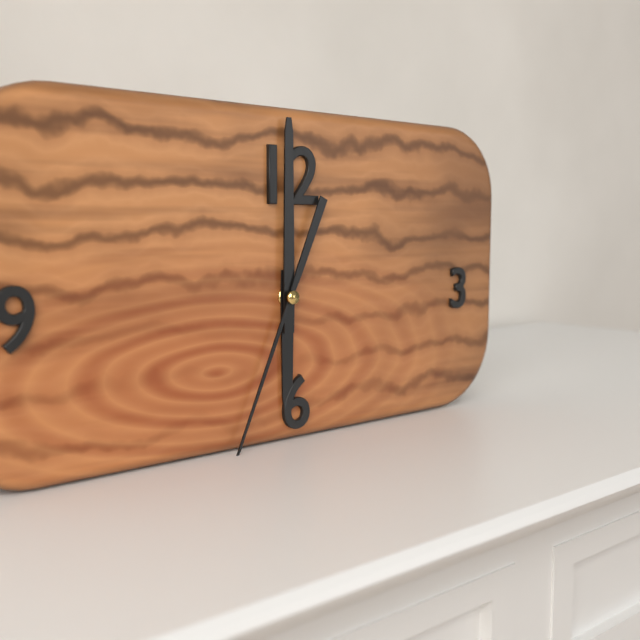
6:00:34
